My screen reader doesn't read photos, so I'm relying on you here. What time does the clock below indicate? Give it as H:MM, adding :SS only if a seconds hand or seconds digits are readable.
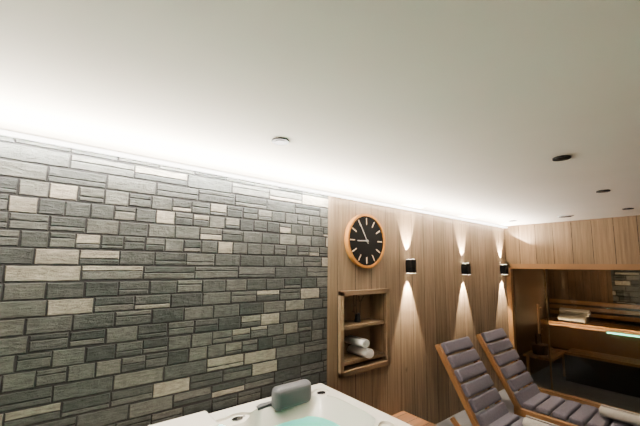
8:55
